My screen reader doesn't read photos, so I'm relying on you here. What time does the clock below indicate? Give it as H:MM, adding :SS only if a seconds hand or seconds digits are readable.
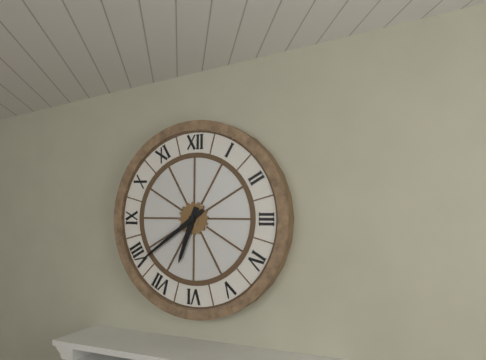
6:39
